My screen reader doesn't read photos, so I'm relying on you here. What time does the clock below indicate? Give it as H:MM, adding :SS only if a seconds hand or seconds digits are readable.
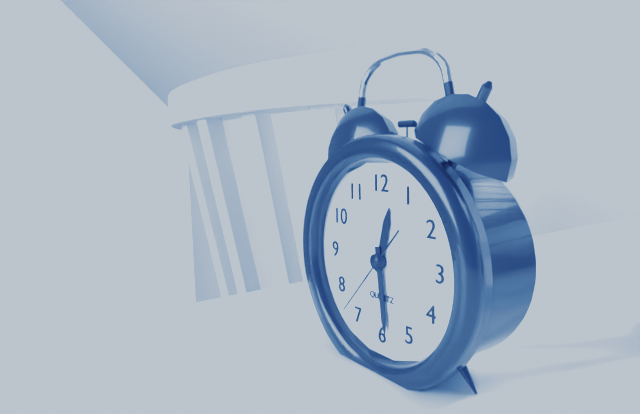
12:29:37
